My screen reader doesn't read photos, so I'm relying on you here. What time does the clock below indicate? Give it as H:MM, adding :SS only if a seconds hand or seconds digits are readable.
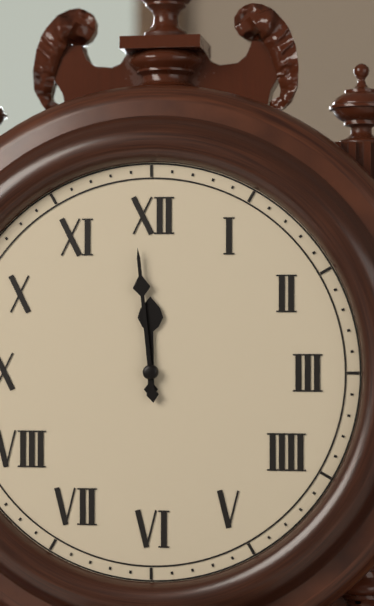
11:59
